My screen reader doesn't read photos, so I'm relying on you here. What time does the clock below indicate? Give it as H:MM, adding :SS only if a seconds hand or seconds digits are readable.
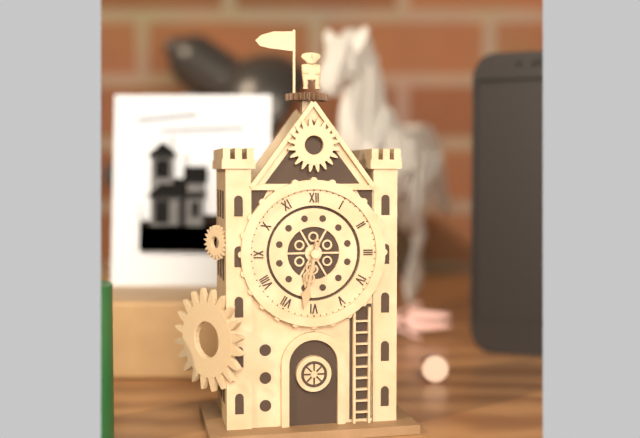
6:32
